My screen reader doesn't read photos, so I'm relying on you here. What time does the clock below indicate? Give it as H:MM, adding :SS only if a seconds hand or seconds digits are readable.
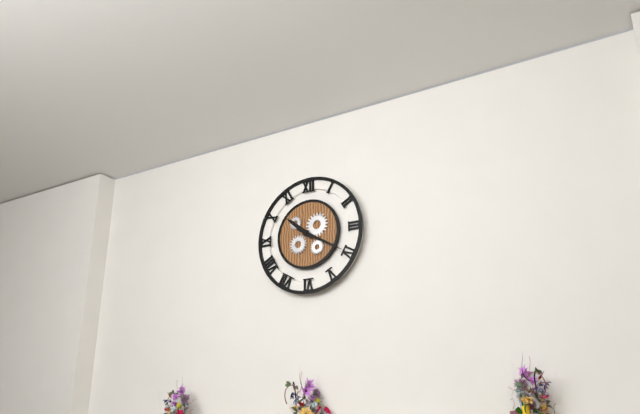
10:20
